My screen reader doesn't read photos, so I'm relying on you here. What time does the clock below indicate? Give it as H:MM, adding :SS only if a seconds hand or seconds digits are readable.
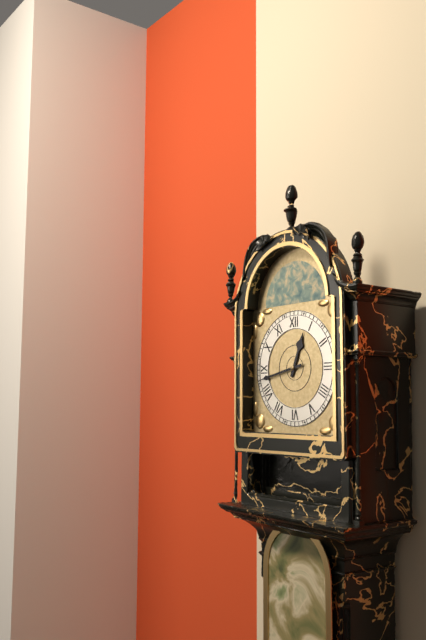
12:43
